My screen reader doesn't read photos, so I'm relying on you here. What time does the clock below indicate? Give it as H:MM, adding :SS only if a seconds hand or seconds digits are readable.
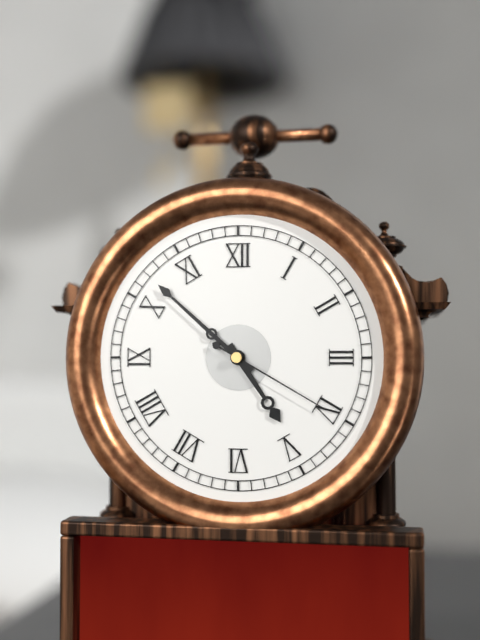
4:52:20
